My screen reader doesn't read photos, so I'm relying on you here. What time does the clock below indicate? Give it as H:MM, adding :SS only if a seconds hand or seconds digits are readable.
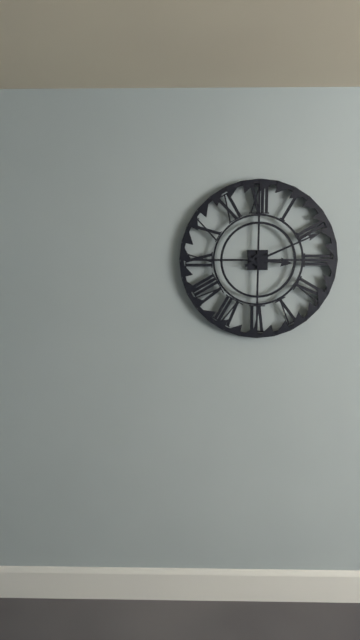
3:11
